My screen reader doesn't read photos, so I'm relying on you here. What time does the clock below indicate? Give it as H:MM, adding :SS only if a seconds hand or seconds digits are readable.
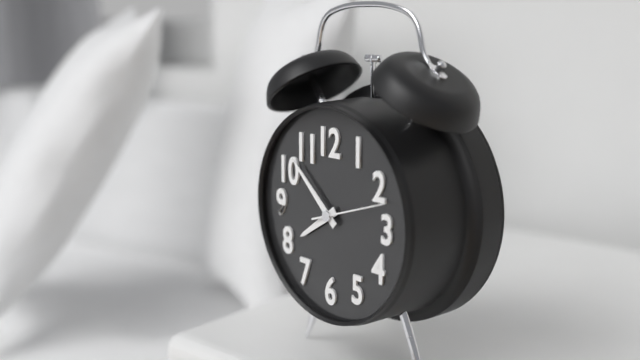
7:52:12
